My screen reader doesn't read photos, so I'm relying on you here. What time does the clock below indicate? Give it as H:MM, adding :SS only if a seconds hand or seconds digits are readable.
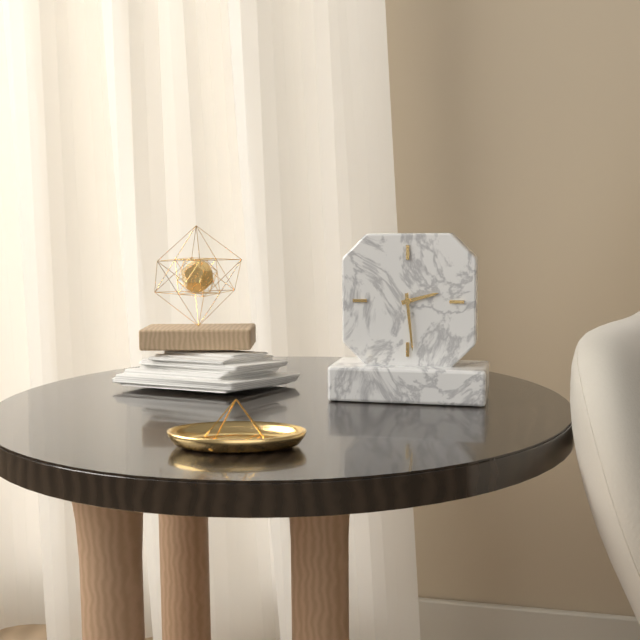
2:29
